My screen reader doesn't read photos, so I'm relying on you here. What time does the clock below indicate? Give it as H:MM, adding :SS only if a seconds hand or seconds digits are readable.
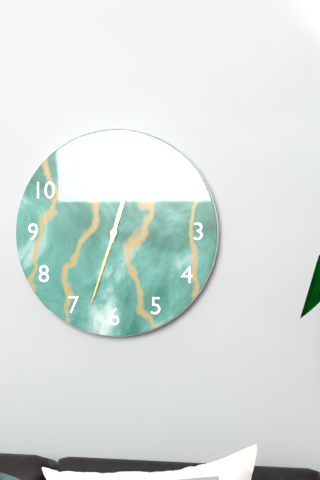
12:33
